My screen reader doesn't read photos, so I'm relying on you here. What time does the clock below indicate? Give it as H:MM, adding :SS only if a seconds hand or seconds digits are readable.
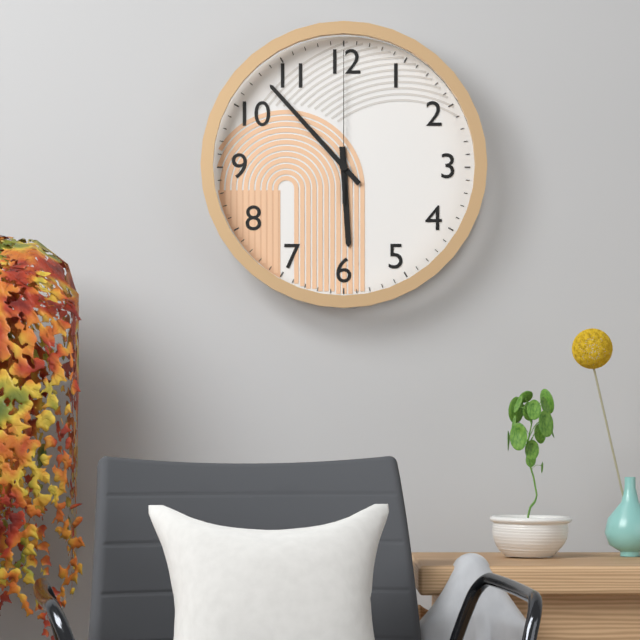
5:53:00
